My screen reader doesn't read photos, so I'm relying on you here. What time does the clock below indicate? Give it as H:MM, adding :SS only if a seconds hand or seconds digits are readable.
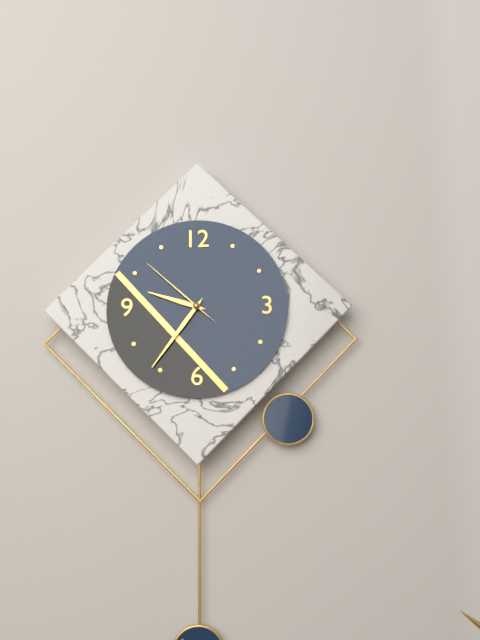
9:36:52
